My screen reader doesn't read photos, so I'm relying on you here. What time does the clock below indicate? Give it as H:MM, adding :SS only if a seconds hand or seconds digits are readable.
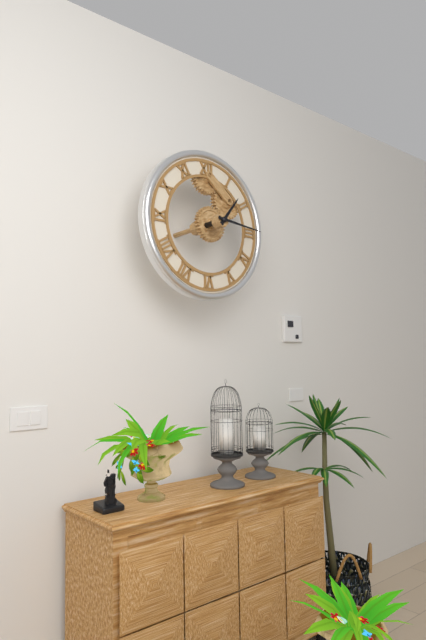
1:16
